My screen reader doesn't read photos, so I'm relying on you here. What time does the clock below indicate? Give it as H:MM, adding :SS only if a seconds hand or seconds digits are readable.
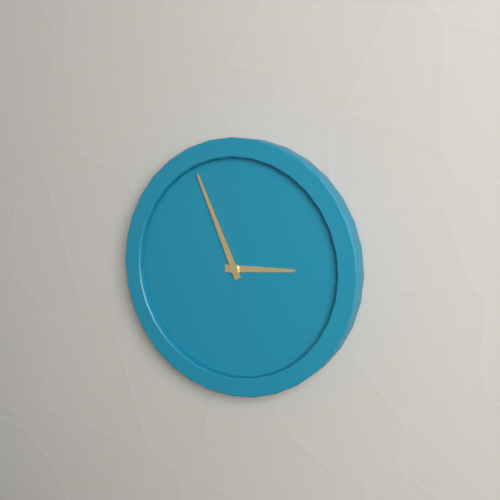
2:56
